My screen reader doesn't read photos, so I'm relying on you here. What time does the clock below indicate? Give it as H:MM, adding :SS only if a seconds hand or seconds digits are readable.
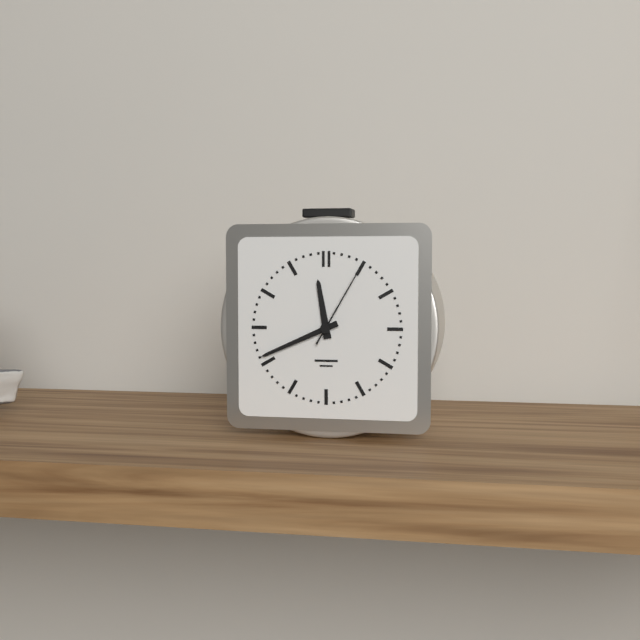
11:41:05
